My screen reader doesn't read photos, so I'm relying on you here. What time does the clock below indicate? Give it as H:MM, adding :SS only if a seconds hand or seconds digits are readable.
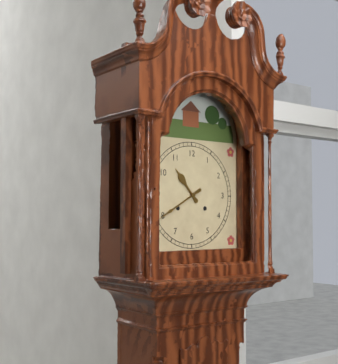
10:40
